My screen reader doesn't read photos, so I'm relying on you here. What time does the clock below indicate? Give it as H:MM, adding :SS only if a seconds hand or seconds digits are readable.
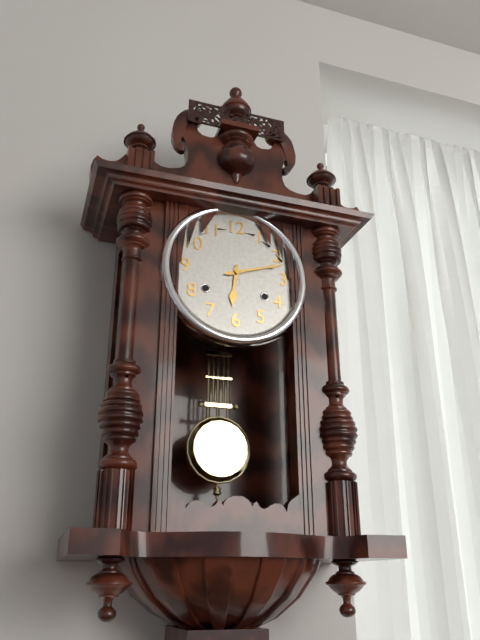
6:12
